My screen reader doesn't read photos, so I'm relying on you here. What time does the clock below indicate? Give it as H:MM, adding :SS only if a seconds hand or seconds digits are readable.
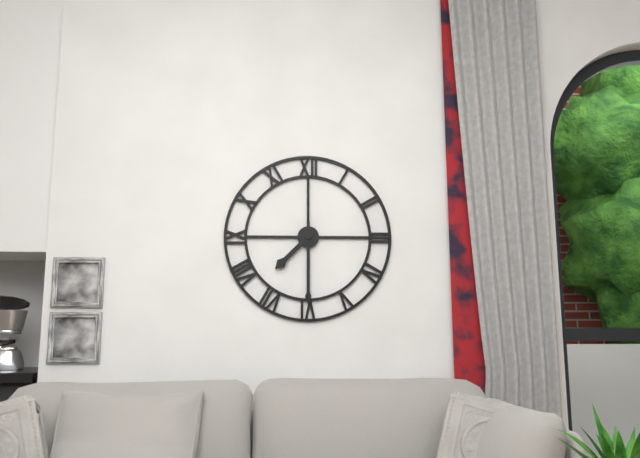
7:30
